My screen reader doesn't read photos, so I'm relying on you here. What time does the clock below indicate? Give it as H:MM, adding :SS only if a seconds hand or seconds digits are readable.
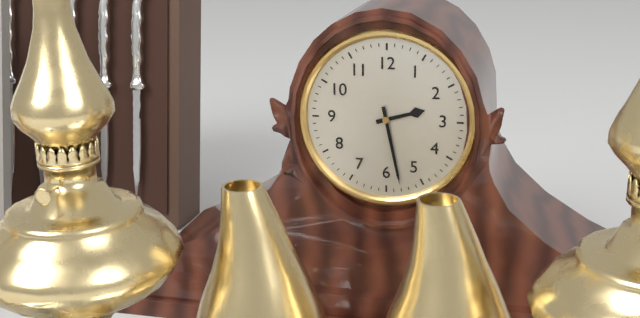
2:28
